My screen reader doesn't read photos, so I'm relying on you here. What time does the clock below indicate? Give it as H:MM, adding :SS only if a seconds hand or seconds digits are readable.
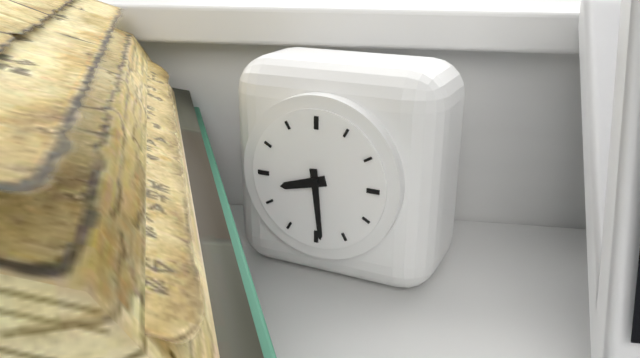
8:29
